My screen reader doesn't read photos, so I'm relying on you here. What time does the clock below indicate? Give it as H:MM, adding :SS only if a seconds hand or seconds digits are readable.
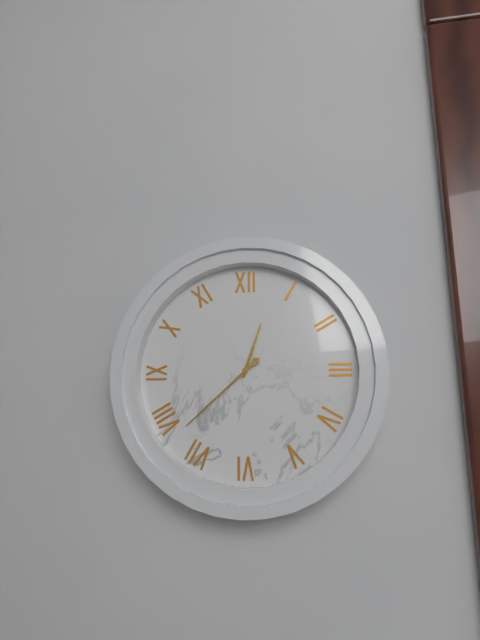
12:38
